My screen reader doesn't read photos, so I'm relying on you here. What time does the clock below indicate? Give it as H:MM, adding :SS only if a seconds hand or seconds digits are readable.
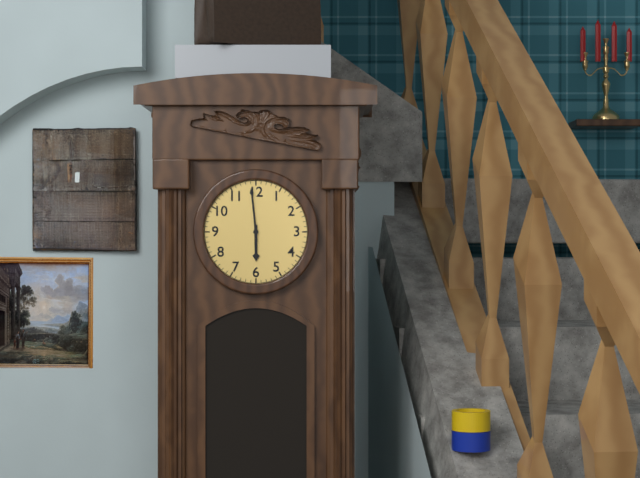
5:59
